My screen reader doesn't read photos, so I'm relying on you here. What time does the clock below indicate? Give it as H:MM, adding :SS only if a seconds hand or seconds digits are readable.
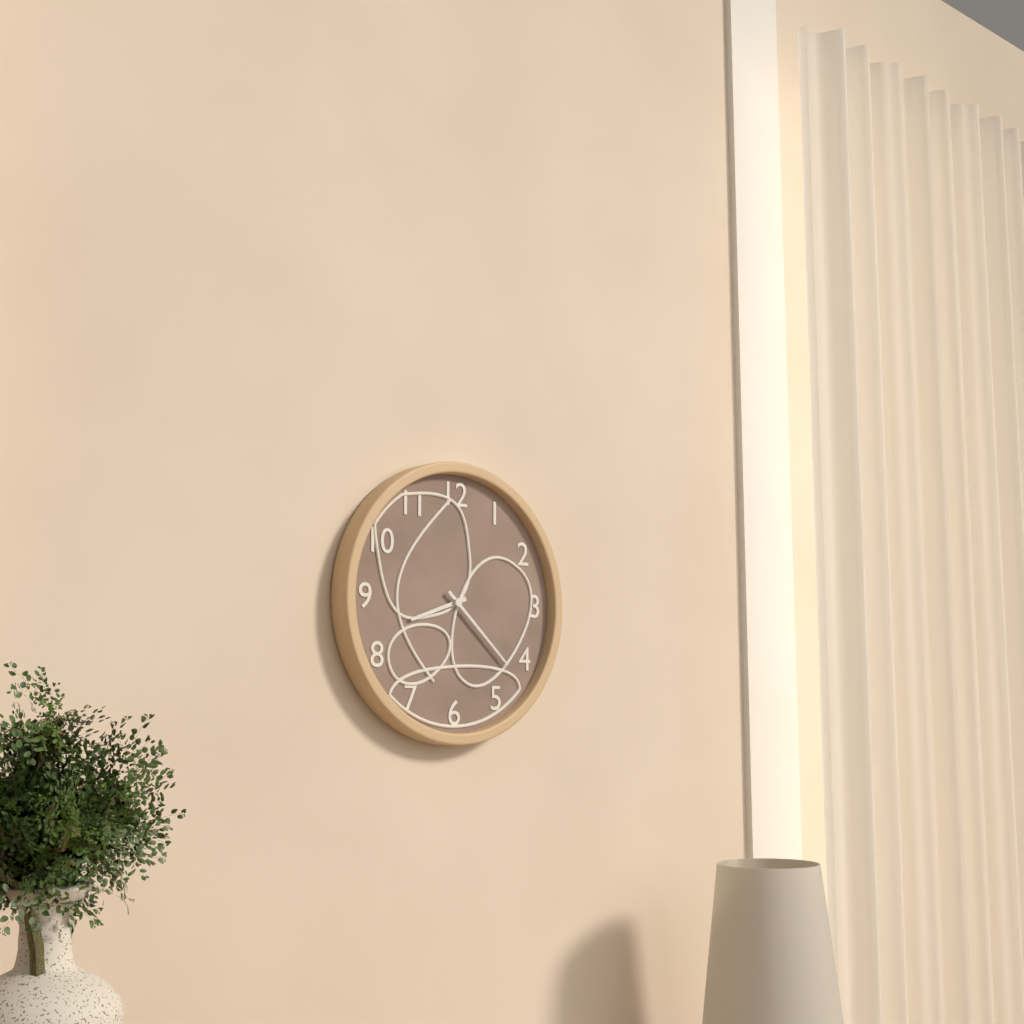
8:22
